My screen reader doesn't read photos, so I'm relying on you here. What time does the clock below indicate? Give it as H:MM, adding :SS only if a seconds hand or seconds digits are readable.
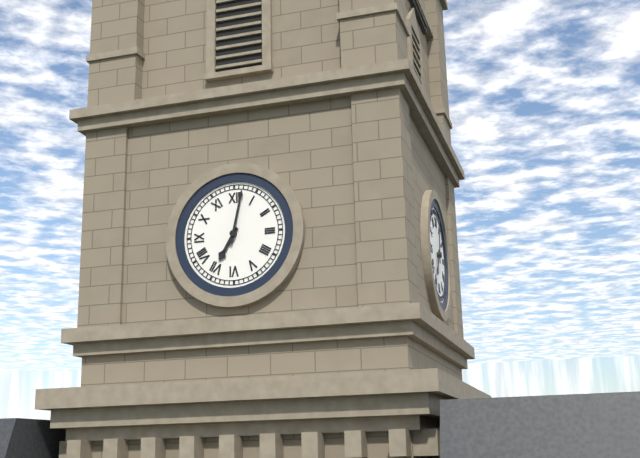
7:02
